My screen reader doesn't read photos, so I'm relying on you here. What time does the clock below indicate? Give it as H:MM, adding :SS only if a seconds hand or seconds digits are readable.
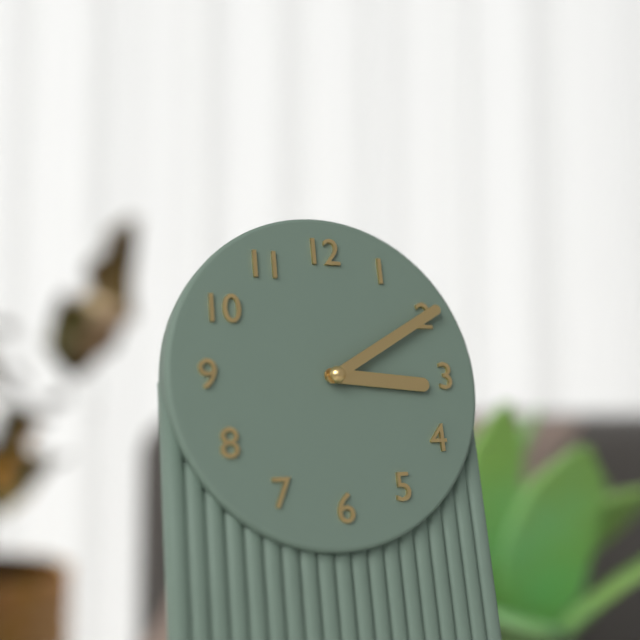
3:10
